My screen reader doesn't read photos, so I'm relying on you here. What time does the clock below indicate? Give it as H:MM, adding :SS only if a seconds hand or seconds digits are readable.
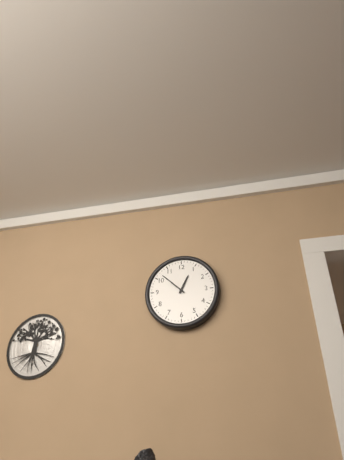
12:52
